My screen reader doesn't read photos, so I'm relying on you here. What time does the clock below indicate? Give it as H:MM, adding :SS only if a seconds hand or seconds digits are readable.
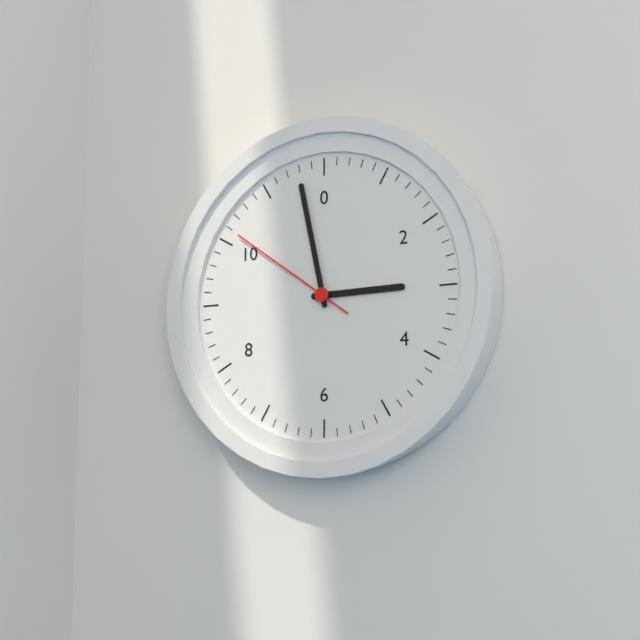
2:58:51
